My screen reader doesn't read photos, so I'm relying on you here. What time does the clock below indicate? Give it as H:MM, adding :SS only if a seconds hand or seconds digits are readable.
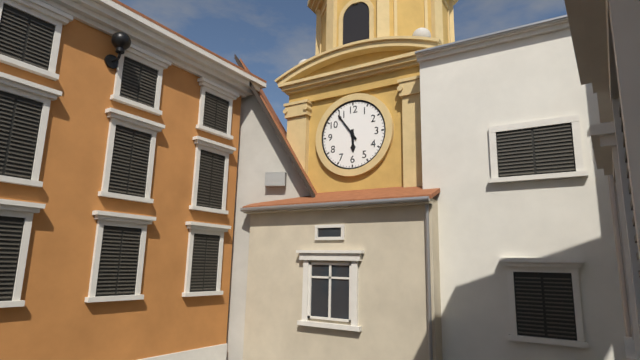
5:54
